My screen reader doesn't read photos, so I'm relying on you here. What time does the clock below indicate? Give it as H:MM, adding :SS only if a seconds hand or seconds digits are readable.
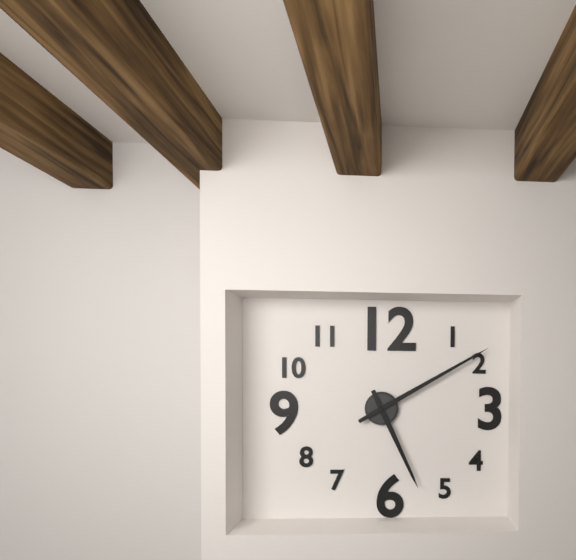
5:10
